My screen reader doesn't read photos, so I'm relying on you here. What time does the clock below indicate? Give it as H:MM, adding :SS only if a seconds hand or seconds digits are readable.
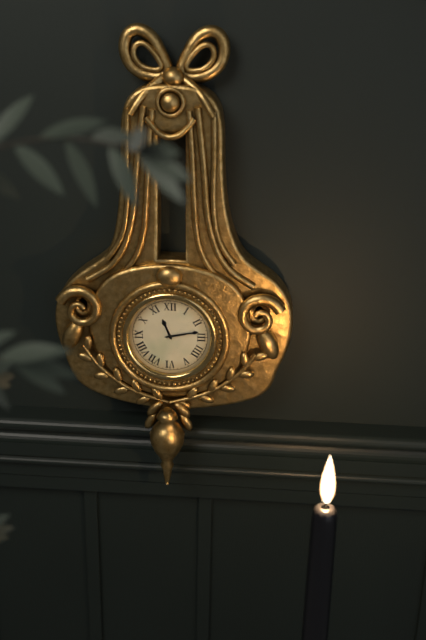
11:13
